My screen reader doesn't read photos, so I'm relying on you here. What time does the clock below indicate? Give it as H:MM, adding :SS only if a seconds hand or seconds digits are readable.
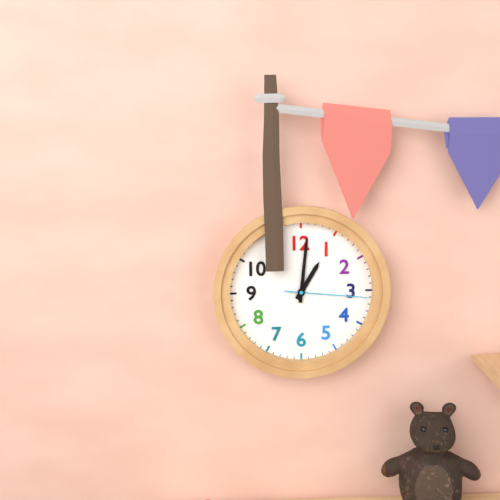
1:01:16
